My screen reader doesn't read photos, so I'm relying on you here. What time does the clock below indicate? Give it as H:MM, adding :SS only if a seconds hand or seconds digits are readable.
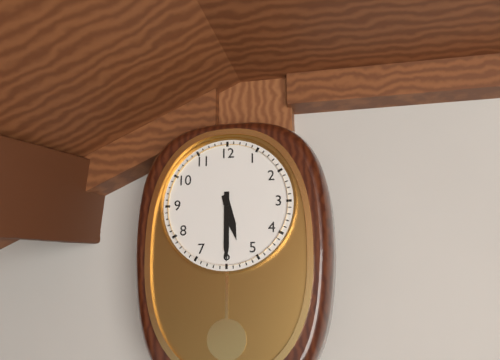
5:30
